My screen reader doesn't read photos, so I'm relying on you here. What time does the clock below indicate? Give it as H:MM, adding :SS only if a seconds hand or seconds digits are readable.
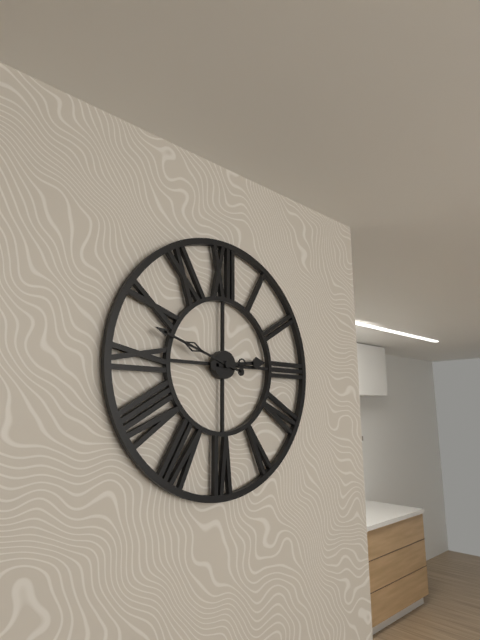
2:48
